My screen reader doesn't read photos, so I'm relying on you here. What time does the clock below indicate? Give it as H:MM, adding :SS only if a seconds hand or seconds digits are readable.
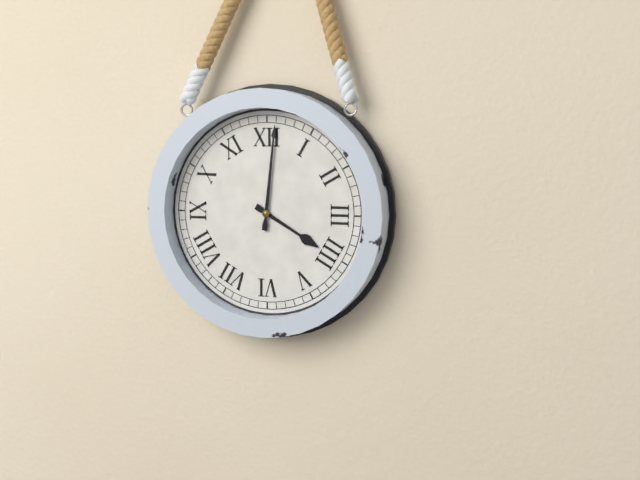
4:01
